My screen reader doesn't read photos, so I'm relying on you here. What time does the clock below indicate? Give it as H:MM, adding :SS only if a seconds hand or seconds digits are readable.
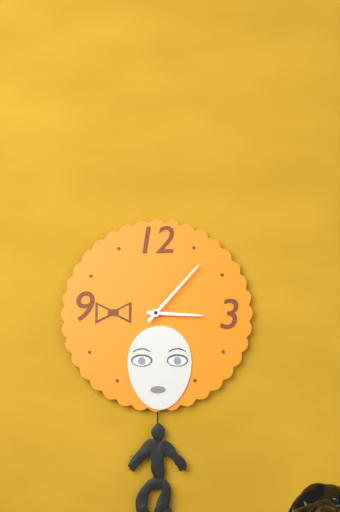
3:07
